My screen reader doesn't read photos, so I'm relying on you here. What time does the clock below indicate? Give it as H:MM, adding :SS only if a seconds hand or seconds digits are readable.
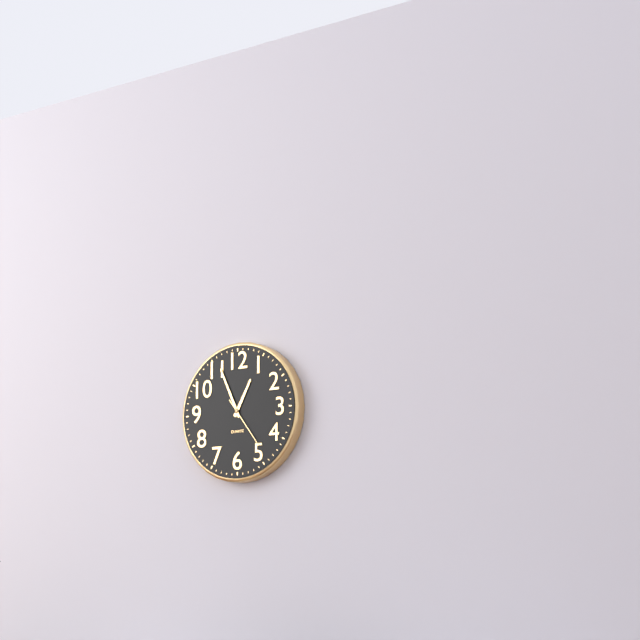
12:56
